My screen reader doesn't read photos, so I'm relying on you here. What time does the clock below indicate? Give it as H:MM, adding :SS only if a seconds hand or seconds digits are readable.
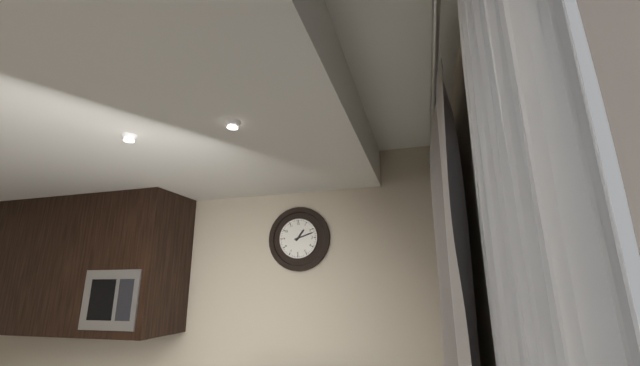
1:12
